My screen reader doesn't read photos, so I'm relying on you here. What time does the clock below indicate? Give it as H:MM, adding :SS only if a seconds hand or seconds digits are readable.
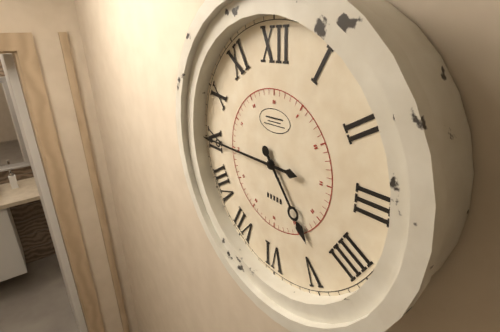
4:45
